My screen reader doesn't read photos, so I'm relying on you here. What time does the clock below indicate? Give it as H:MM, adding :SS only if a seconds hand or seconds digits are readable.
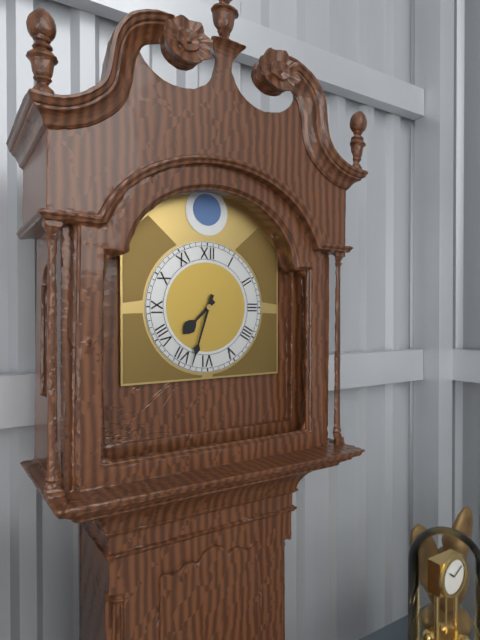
7:33
